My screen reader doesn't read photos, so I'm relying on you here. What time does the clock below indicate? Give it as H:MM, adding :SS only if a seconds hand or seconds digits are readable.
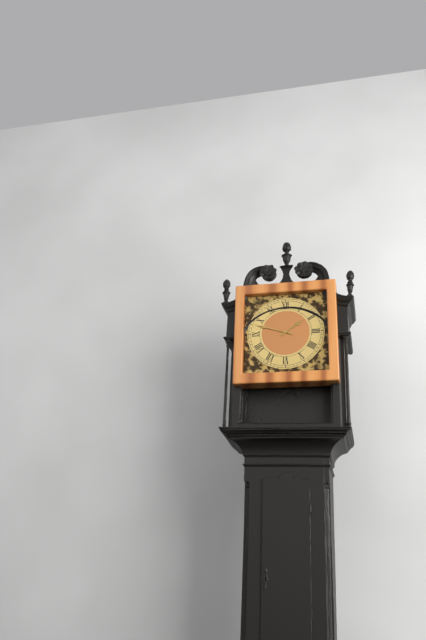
1:48
